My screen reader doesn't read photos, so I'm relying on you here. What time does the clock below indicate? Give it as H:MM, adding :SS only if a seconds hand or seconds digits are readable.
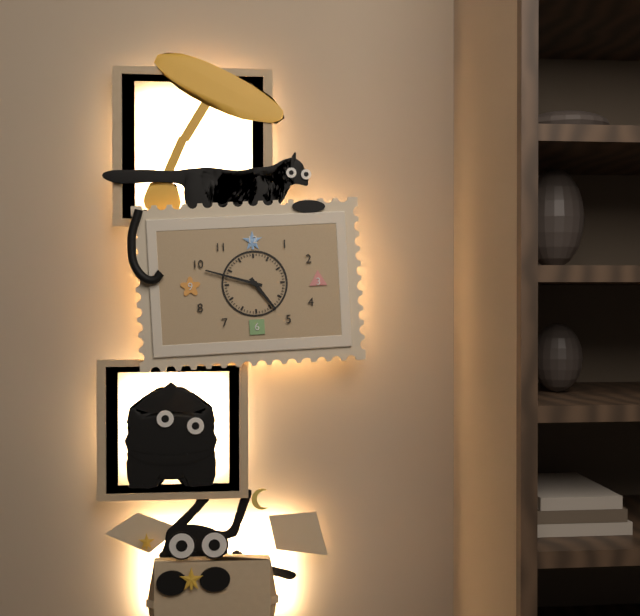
4:48
